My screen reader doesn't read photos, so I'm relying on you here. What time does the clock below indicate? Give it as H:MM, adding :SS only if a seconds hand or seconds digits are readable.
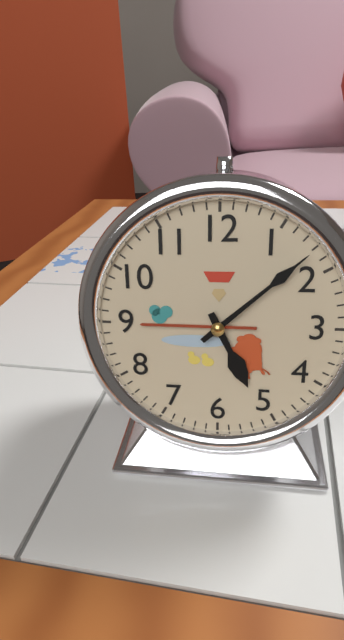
5:08
